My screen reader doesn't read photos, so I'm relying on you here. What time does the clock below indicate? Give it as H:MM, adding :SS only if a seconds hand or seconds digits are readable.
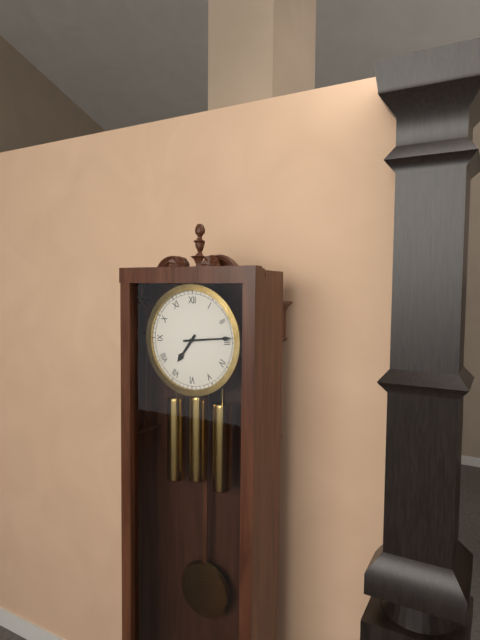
7:14
